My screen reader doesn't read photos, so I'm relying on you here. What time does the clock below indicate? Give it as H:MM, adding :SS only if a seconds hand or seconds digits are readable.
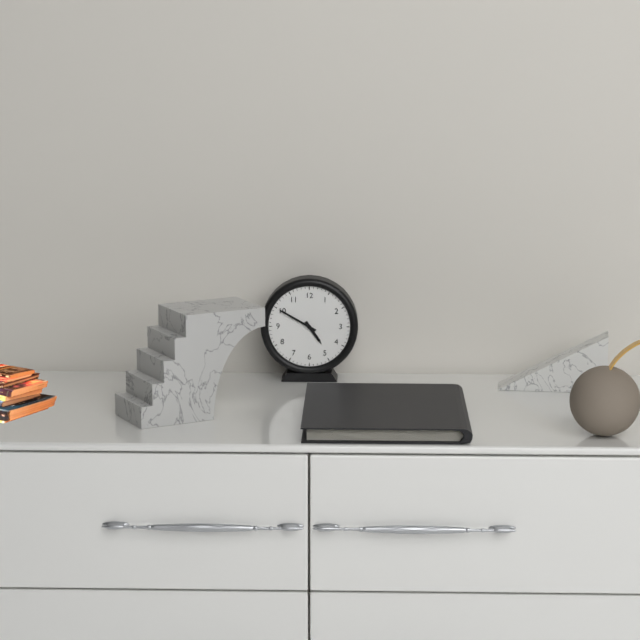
4:50
